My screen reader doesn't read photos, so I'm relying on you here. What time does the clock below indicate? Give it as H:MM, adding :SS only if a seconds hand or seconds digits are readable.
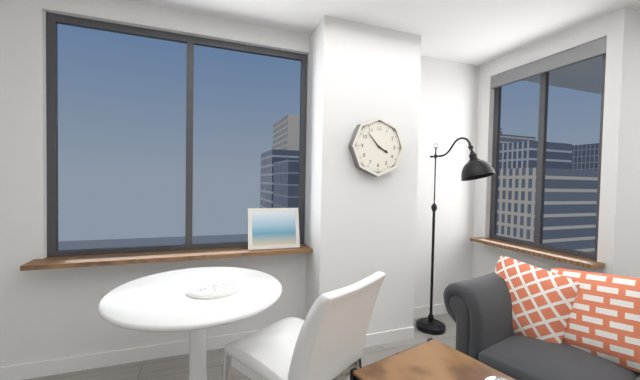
3:53
